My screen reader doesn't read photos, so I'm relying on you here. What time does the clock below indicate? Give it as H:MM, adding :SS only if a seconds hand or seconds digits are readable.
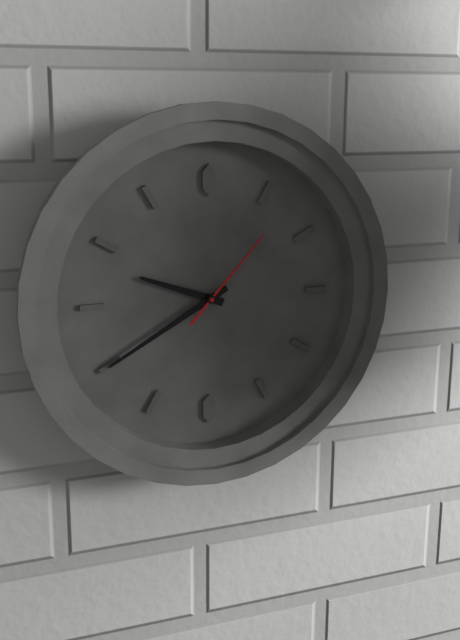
9:40:07
